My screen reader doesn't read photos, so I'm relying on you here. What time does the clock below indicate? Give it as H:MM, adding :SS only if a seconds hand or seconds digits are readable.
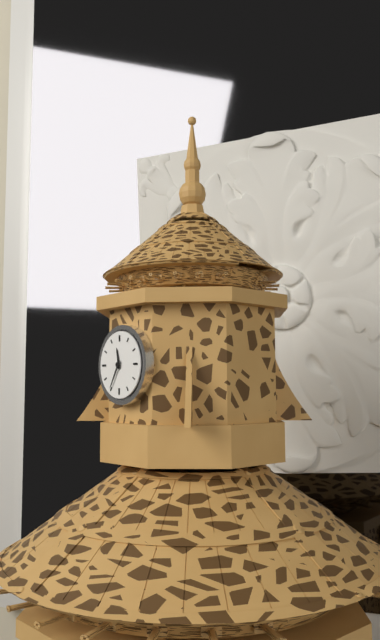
11:35
